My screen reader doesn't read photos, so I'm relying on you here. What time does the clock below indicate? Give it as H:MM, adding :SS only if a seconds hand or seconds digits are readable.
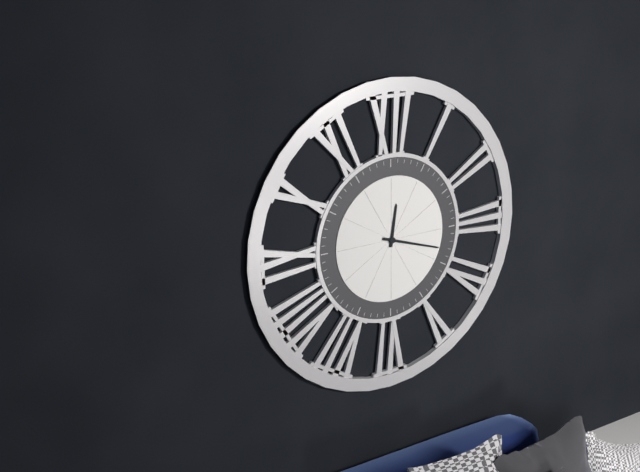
12:18
